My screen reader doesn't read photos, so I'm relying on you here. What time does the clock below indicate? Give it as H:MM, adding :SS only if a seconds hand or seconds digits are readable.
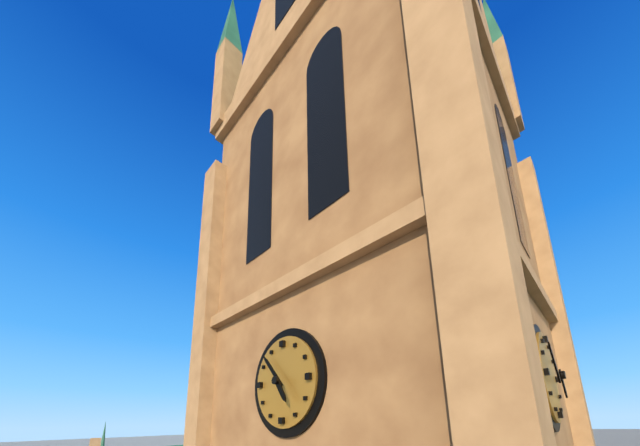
4:53
